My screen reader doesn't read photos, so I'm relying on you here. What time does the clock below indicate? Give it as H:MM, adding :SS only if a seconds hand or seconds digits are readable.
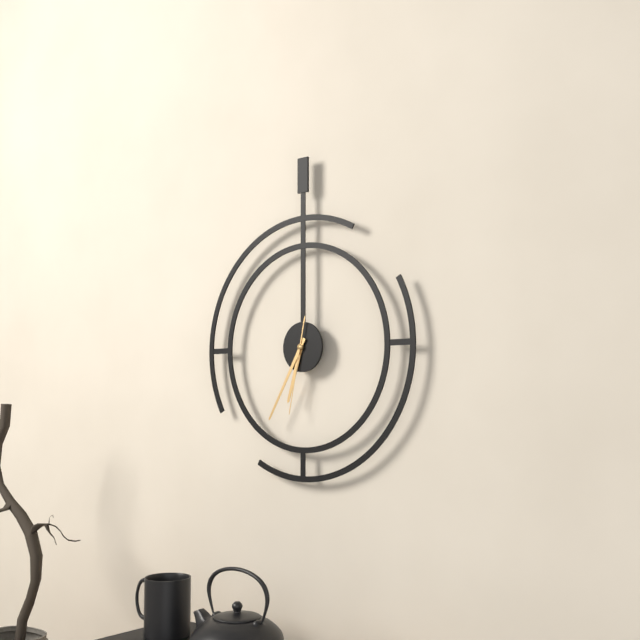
6:35:32
